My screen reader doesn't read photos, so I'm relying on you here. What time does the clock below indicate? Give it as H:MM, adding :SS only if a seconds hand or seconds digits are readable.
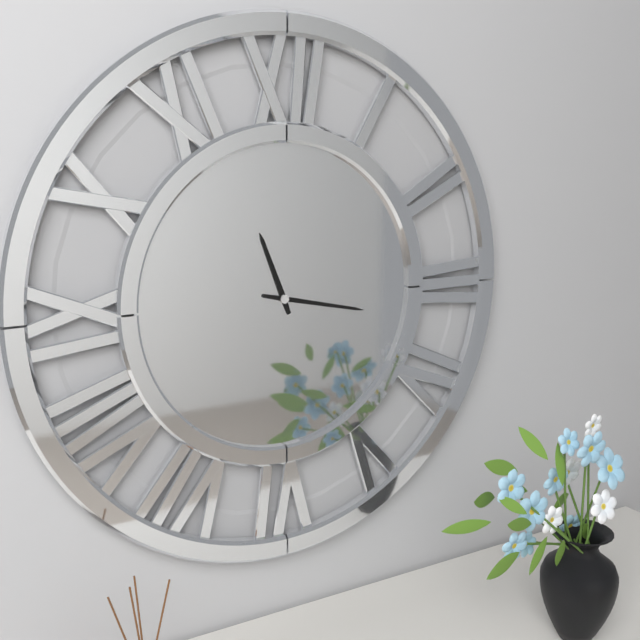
11:17
